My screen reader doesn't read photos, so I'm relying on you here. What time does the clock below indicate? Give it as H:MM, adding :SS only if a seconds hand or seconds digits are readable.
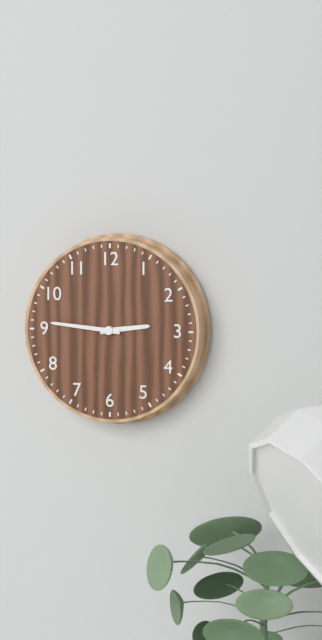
2:46
